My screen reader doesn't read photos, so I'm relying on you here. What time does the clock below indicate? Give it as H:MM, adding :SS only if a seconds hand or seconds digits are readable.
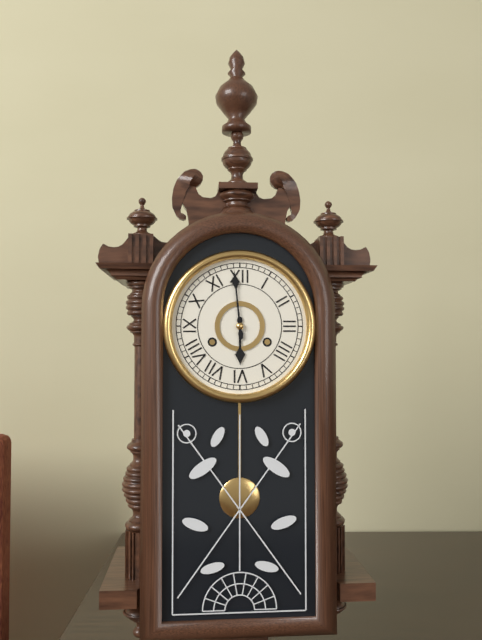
5:59
